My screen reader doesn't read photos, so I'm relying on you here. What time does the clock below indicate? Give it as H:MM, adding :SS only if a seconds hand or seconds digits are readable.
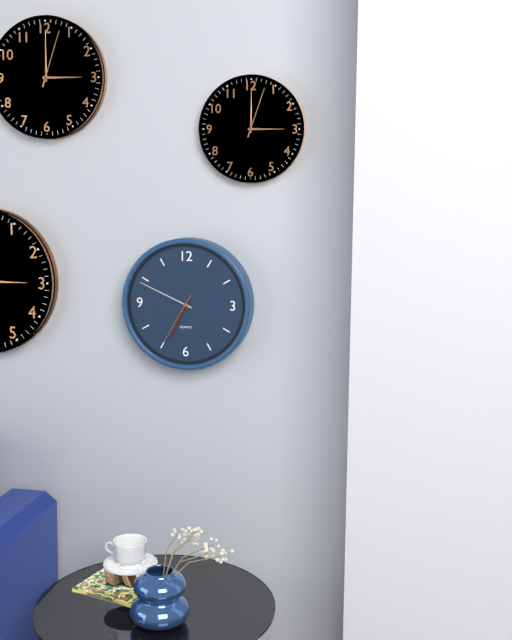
6:49:35
